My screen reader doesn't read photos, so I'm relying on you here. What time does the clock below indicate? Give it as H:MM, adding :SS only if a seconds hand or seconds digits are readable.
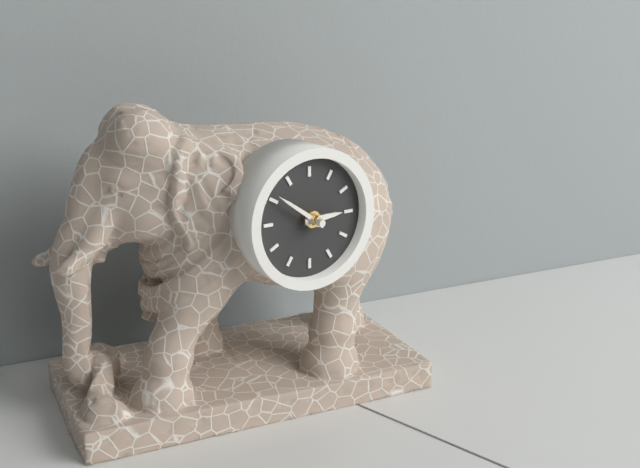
2:51
